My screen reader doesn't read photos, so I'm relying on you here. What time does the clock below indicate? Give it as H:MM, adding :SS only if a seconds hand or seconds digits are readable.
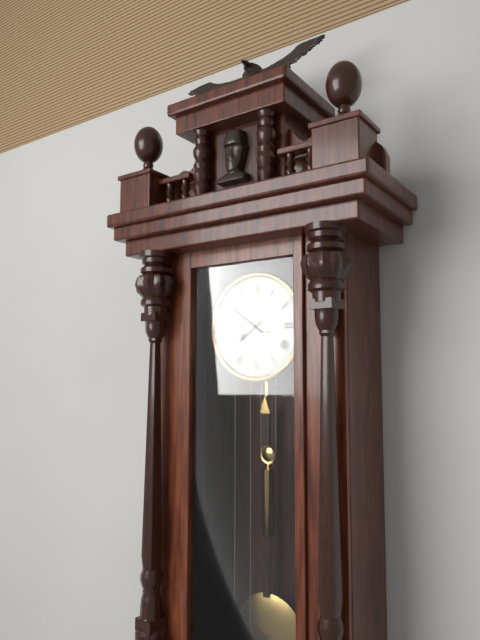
7:51
